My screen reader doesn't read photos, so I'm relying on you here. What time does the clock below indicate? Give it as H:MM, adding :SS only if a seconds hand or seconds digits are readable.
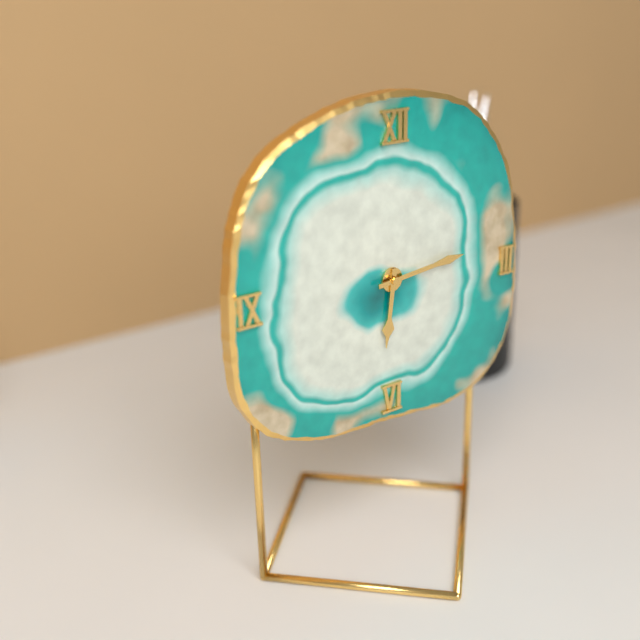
6:14
